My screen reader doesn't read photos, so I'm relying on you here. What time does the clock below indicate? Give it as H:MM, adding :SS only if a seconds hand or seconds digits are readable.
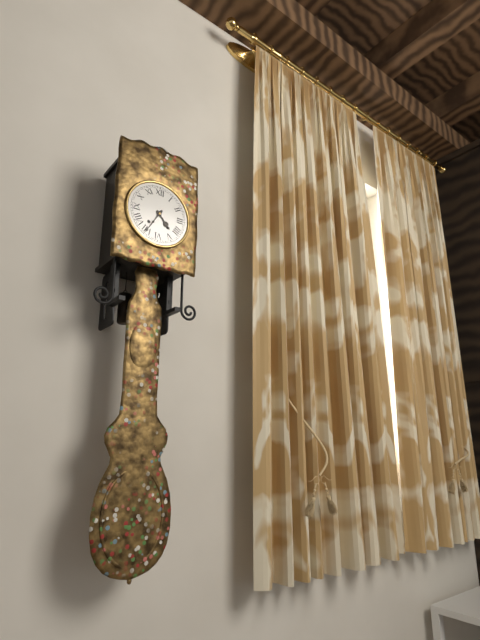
4:35
